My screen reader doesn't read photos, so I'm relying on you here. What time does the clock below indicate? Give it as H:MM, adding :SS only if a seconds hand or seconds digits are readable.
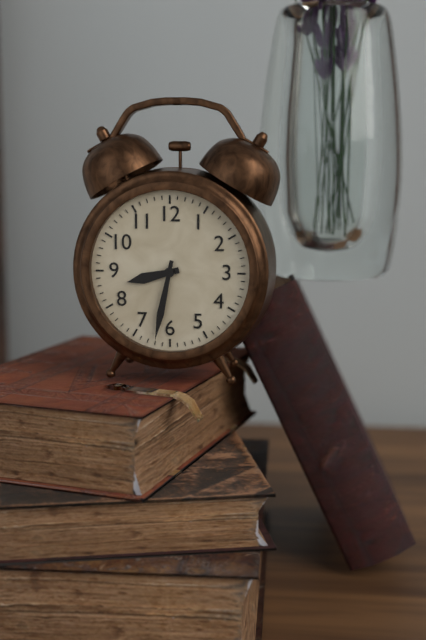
8:32
